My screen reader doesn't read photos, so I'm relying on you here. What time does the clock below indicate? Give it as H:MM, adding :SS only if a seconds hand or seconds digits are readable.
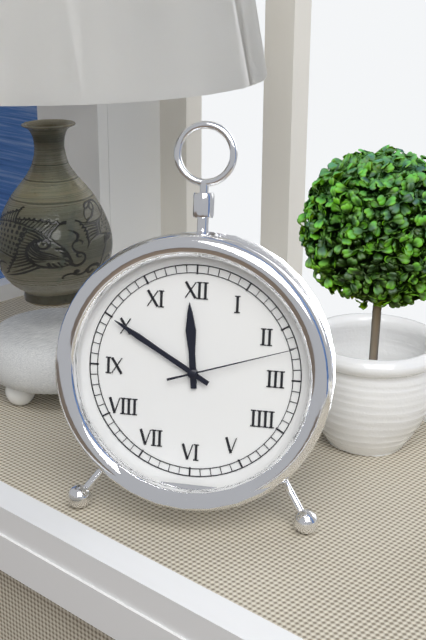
11:50:12
